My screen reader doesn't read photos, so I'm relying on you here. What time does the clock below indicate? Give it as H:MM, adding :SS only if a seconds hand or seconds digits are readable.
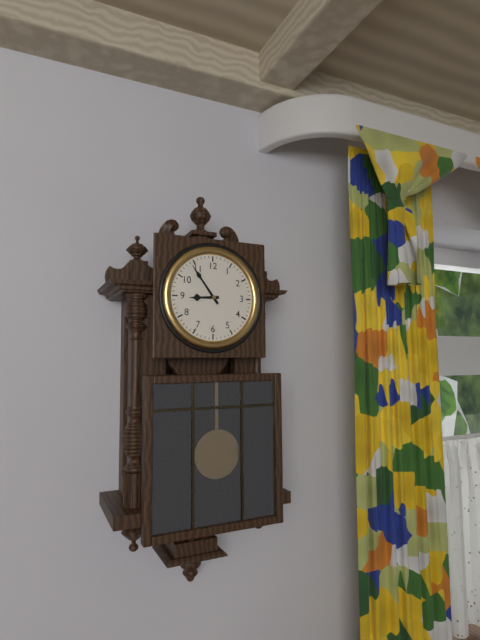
8:54
